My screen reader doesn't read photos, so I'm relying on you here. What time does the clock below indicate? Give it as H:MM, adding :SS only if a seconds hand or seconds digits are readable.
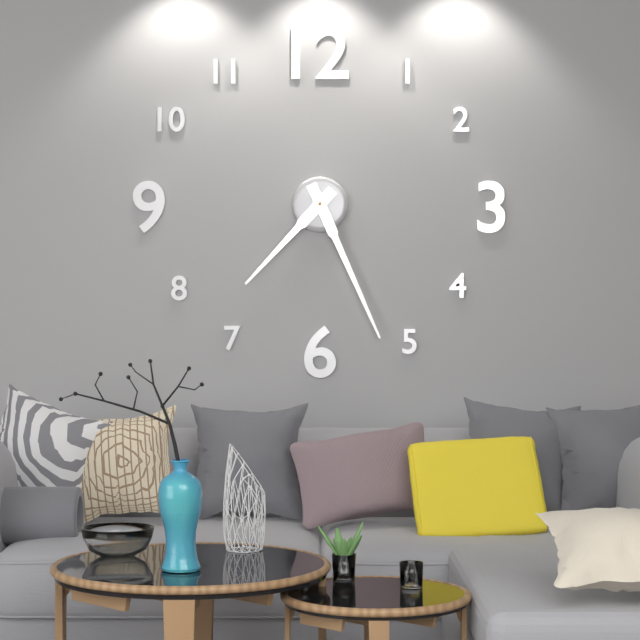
7:26
